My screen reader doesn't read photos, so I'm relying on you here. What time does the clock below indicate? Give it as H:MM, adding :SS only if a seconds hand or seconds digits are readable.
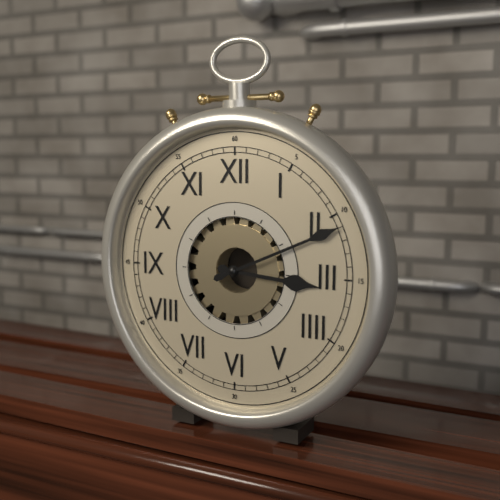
3:11
